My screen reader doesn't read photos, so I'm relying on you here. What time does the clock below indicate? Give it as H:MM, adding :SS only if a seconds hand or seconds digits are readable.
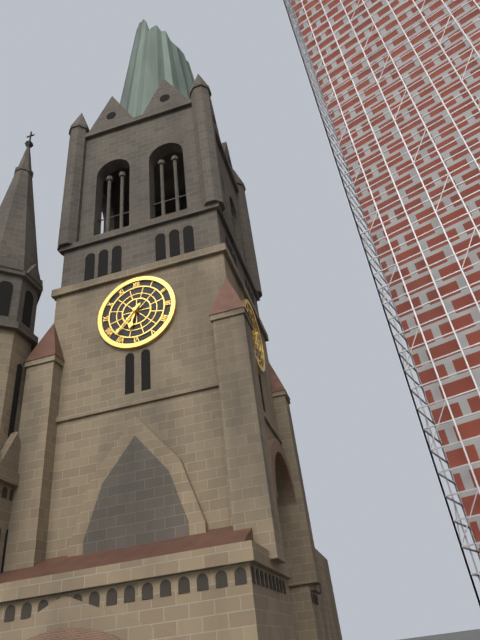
6:37
